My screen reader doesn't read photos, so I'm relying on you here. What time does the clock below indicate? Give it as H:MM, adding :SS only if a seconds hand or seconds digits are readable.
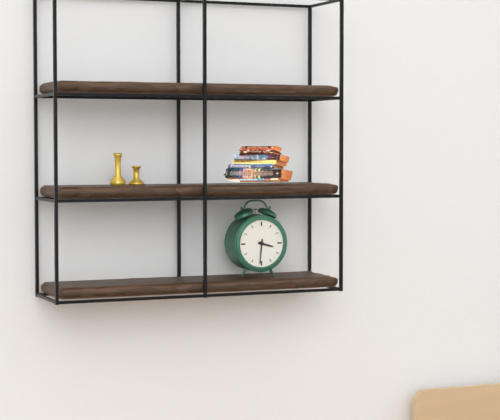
3:31
